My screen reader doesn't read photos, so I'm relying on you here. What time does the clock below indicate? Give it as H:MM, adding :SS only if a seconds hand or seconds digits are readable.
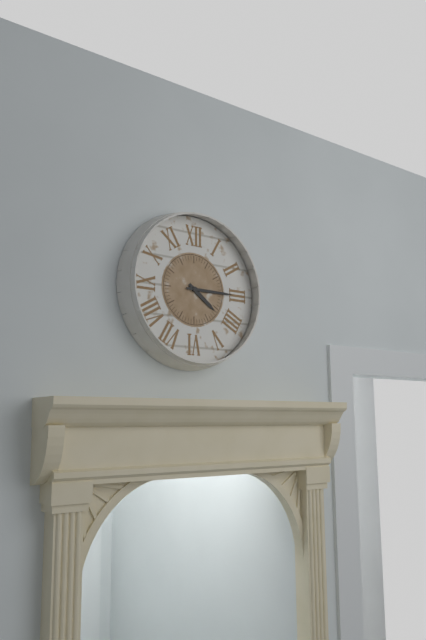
4:15
